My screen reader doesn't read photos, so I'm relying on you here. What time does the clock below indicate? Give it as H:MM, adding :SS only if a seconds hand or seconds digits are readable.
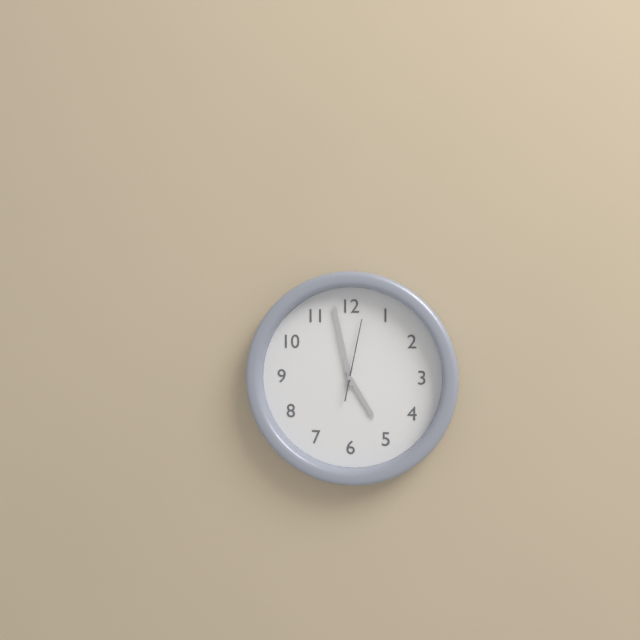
4:58:02
